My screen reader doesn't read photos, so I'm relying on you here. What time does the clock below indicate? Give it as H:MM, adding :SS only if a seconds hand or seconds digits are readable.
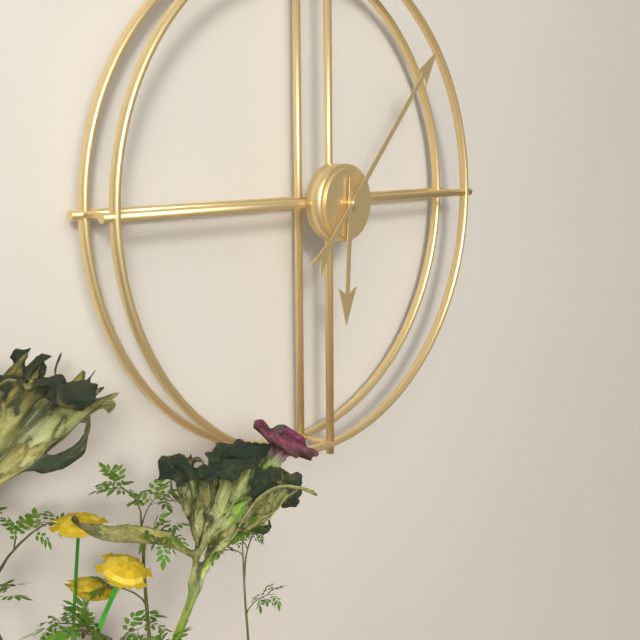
6:07
